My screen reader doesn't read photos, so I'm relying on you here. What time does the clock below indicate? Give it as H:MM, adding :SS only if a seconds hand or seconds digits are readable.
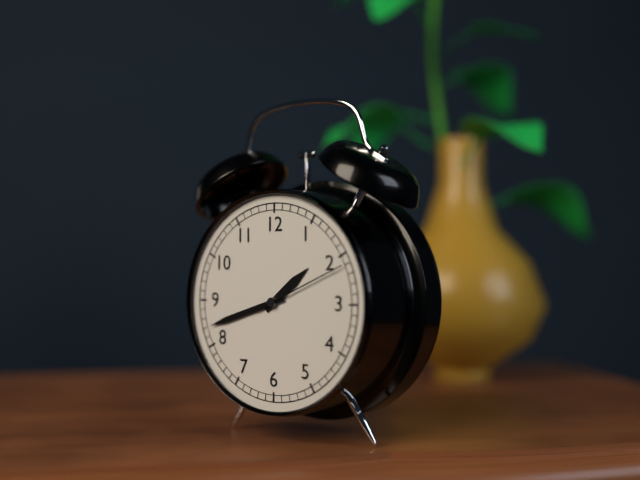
1:42:11
